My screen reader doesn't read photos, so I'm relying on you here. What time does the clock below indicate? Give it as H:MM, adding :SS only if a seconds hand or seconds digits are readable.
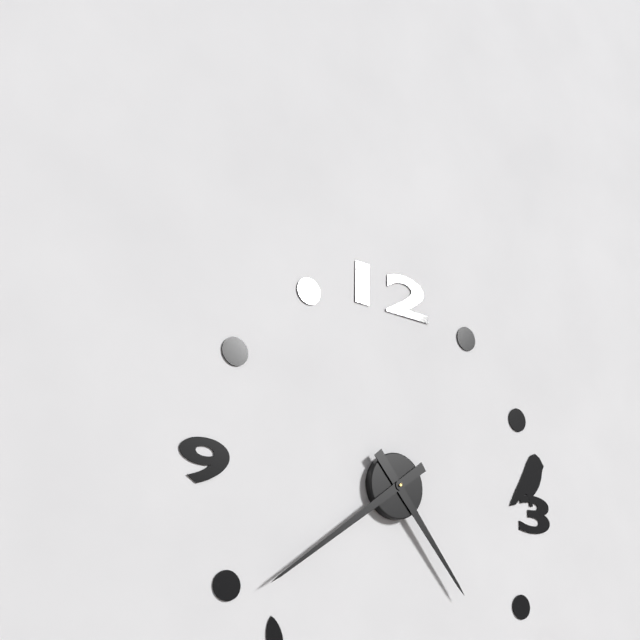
4:39
